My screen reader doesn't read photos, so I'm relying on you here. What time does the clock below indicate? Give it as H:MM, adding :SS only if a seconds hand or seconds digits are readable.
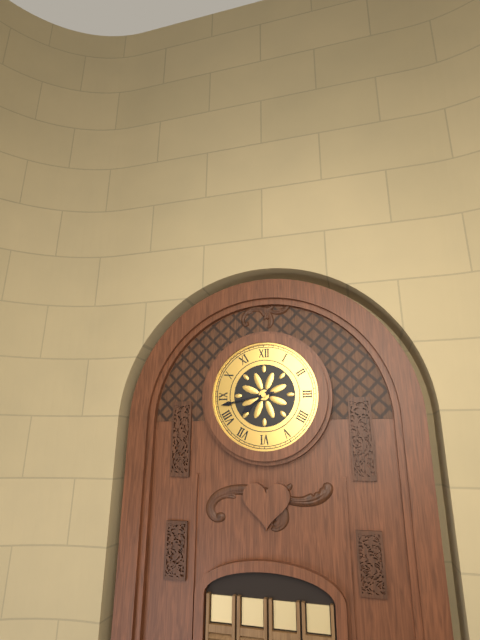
7:43
